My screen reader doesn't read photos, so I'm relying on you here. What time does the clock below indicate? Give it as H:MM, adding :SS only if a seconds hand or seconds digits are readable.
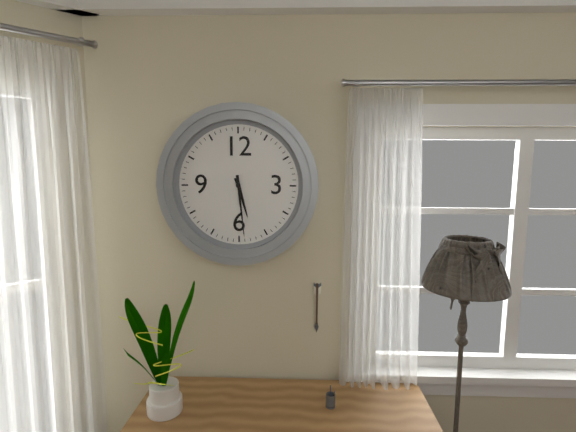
5:29
